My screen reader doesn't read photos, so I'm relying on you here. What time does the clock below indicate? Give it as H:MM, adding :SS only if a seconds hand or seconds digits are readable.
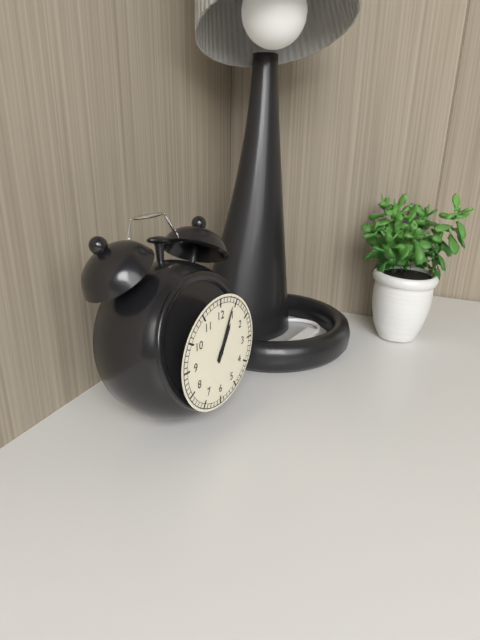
1:04
